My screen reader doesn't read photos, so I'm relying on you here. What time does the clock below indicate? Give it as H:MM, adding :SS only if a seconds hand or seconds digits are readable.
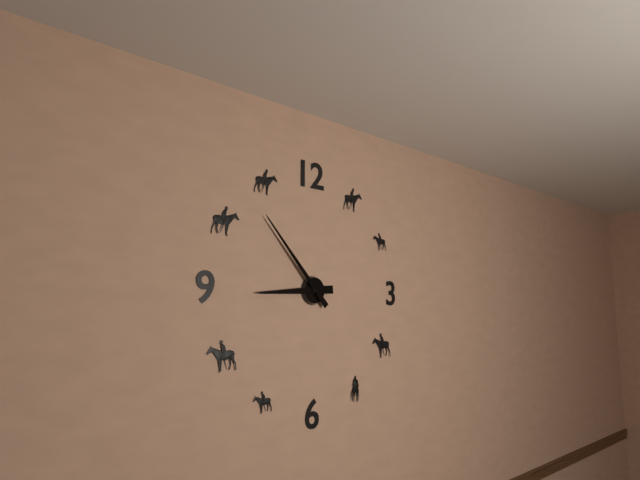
8:53
